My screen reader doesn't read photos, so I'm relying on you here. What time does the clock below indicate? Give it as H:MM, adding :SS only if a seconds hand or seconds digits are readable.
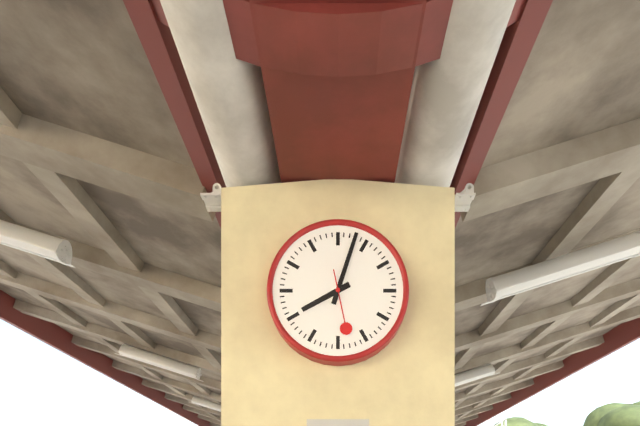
8:03:28
